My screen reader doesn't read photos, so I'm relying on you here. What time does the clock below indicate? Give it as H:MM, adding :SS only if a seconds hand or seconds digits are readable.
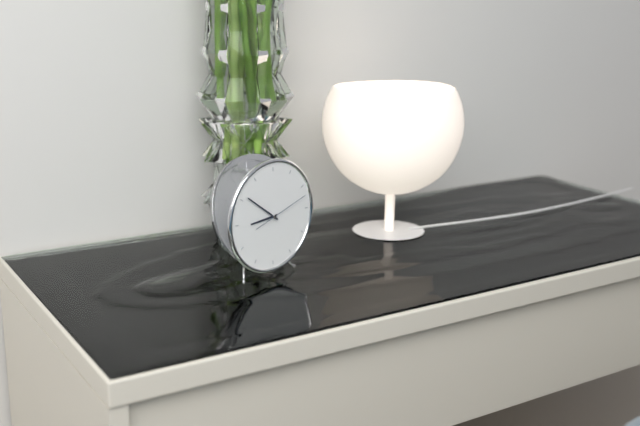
8:51
